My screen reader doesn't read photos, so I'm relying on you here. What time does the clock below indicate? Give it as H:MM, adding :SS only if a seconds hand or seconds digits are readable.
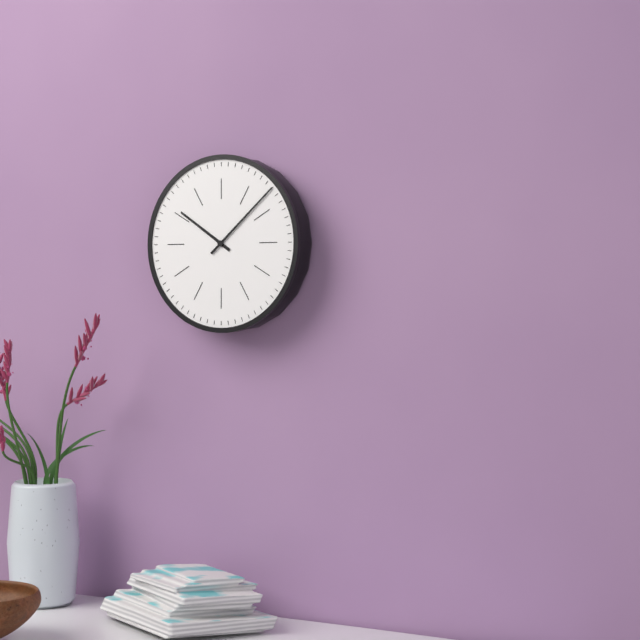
10:08
